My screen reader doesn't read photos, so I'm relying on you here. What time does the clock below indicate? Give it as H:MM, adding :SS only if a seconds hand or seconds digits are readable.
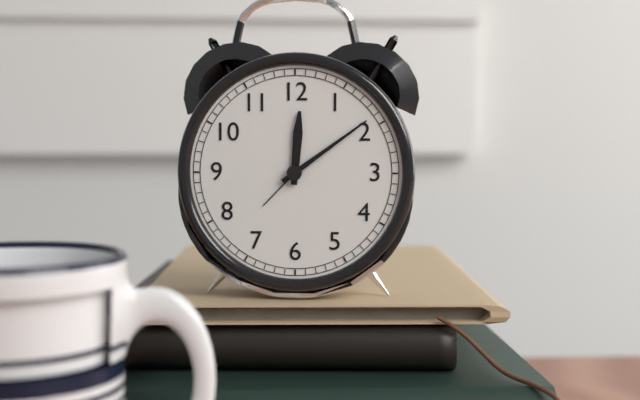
12:09
